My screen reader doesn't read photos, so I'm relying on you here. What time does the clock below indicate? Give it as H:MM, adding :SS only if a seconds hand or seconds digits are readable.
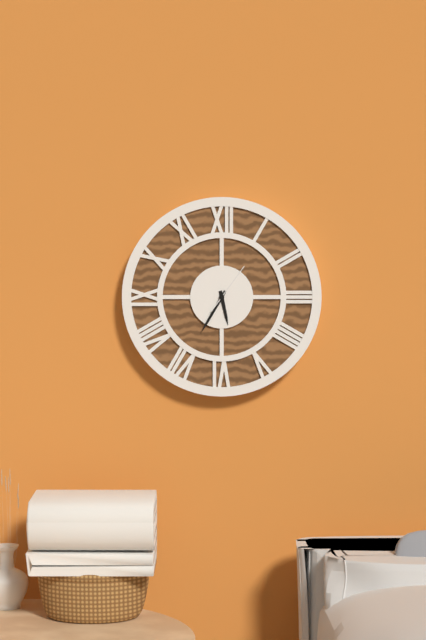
5:35
